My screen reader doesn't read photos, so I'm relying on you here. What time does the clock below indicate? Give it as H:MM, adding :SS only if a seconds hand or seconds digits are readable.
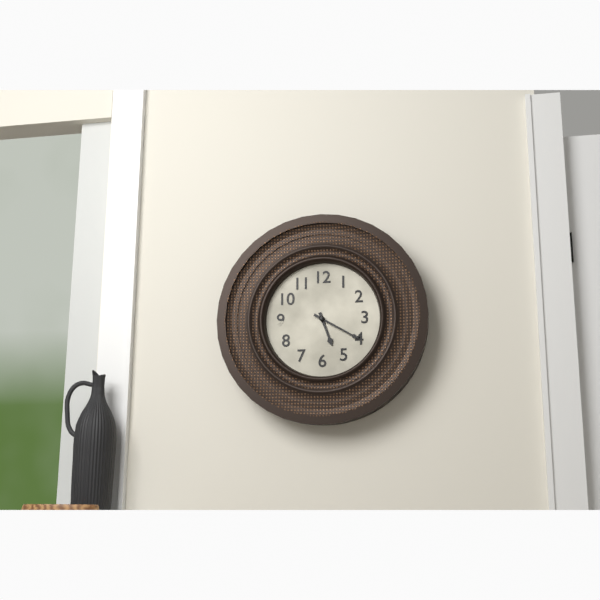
5:20
